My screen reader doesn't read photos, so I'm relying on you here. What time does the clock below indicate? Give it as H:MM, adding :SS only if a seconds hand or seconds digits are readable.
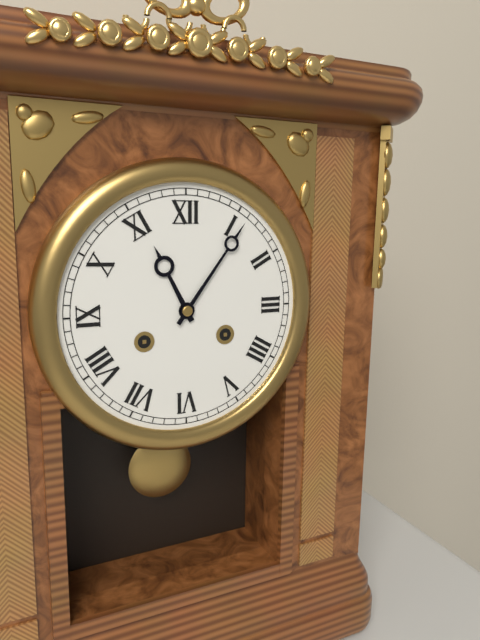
11:06
